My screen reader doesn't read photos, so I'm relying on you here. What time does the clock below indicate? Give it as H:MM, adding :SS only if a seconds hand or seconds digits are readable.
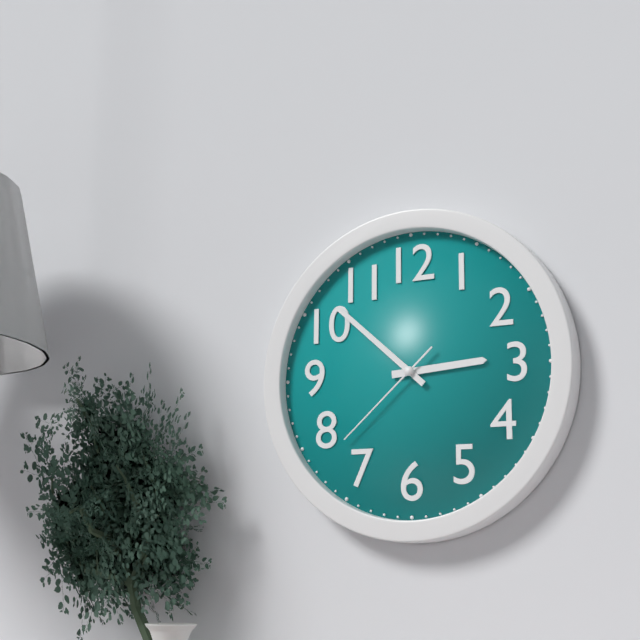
2:52:38
